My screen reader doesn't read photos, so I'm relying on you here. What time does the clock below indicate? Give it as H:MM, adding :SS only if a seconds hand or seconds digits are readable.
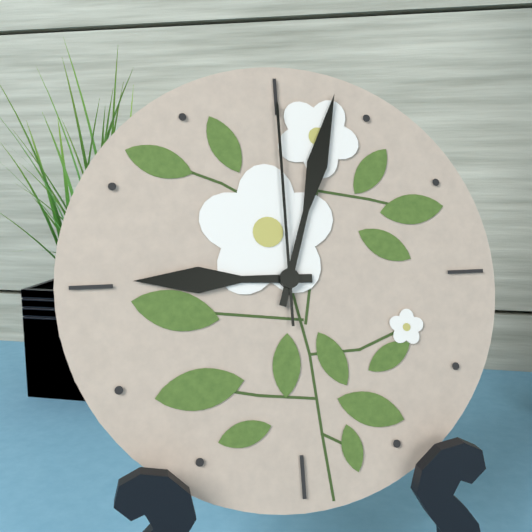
9:03:00
